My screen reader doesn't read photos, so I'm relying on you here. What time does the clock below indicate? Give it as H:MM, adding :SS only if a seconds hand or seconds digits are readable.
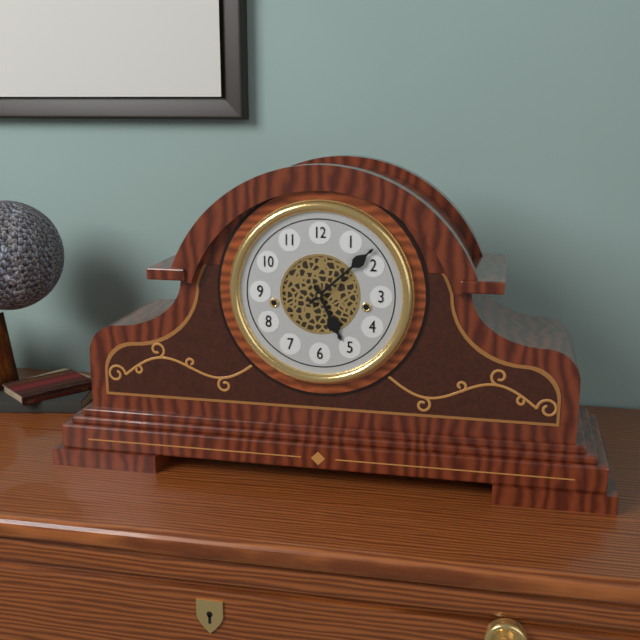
5:08
